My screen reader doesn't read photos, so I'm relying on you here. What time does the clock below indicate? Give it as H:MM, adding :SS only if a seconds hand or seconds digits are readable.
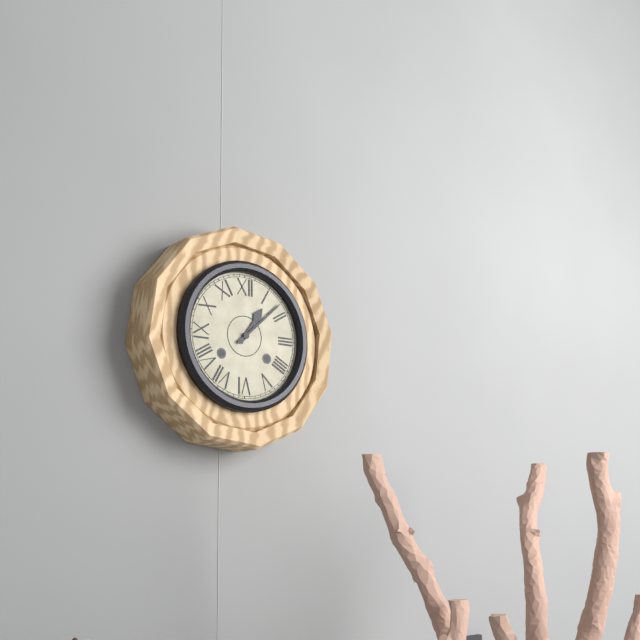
1:08
